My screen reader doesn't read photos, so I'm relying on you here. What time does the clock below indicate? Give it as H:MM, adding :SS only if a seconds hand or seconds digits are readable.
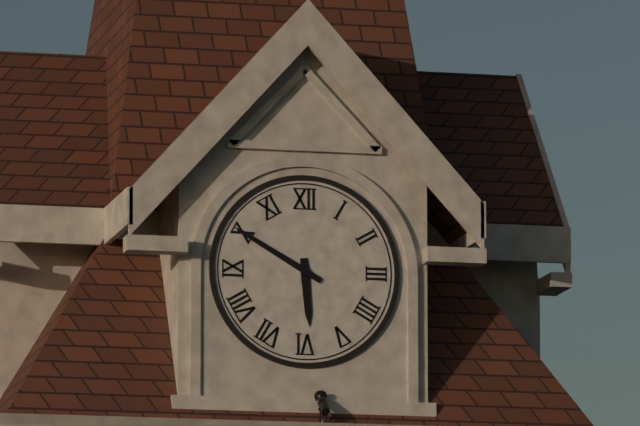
5:50
